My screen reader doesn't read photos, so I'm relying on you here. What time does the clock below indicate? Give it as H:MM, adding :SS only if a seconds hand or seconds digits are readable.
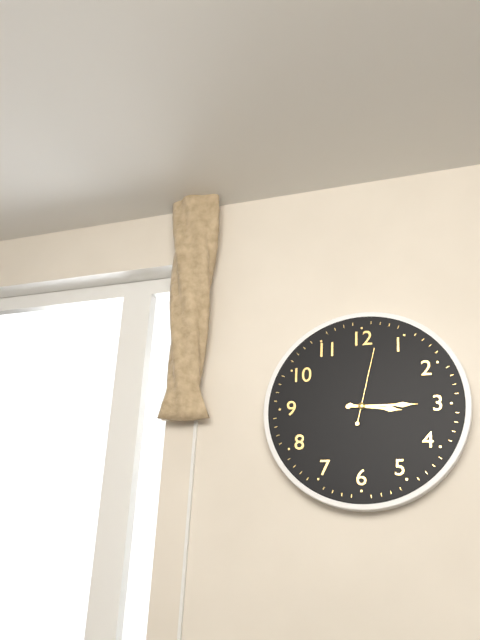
3:15:02
